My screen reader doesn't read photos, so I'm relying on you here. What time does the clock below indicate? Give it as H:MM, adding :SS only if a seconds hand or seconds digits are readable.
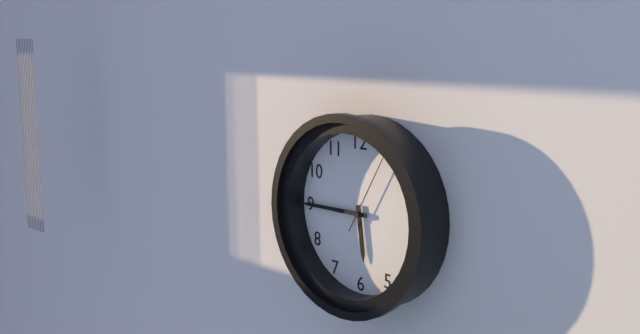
5:45:05
